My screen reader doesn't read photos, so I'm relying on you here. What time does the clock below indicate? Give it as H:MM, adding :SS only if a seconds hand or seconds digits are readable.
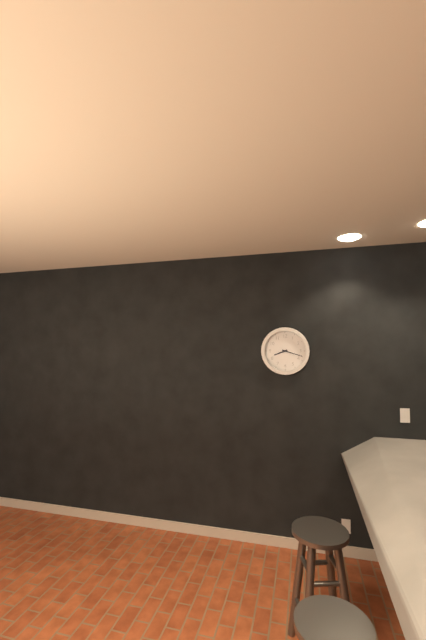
8:18
